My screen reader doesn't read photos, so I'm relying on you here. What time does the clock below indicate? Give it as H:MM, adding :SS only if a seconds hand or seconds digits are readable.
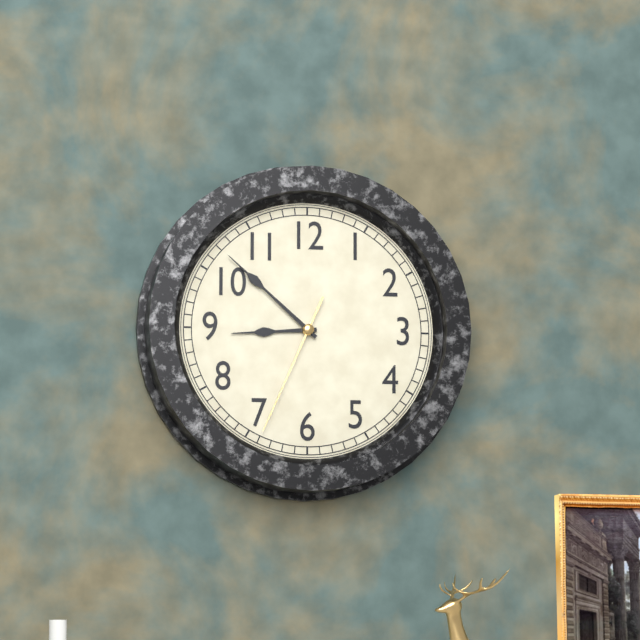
8:52:34
